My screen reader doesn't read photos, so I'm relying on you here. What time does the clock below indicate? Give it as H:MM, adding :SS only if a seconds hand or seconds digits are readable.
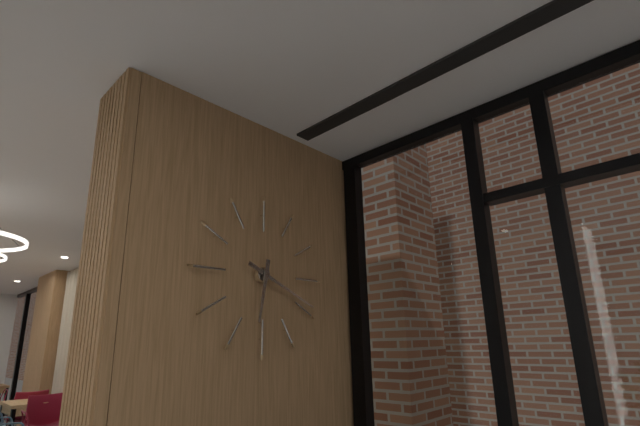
6:19
